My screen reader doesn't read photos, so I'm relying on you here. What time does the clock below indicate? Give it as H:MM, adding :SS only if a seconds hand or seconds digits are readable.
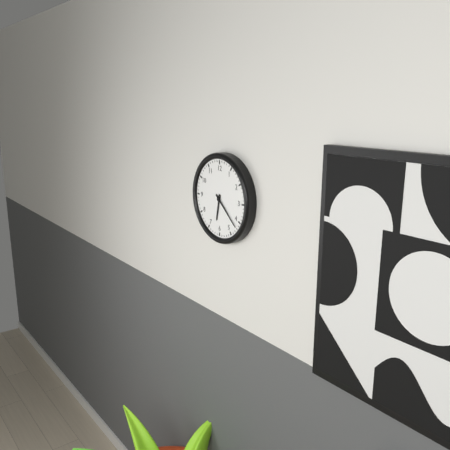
6:22
